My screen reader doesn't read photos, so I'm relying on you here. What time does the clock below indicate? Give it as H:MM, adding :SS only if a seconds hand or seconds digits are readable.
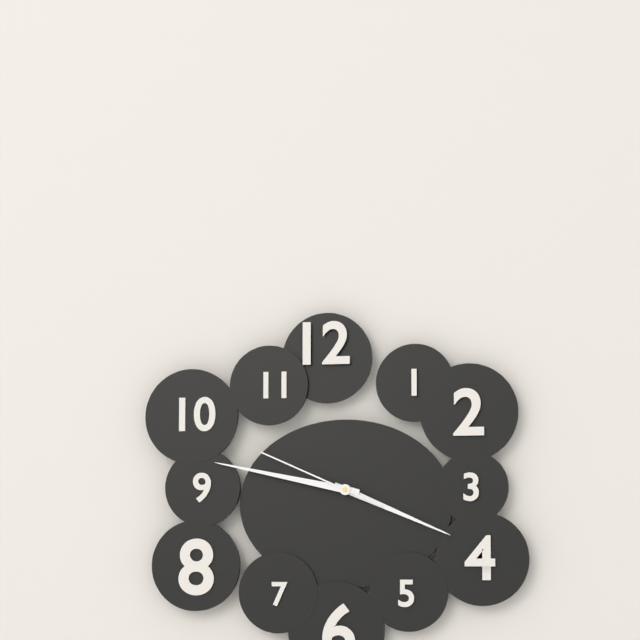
3:47:49
